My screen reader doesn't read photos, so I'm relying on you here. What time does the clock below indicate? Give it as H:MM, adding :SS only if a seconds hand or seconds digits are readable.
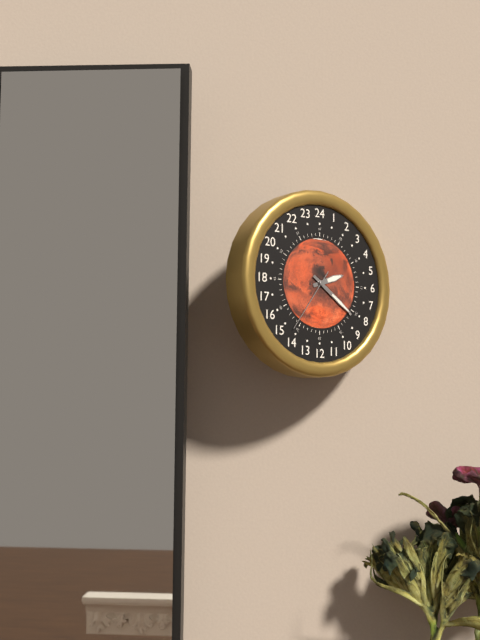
2:21:36
